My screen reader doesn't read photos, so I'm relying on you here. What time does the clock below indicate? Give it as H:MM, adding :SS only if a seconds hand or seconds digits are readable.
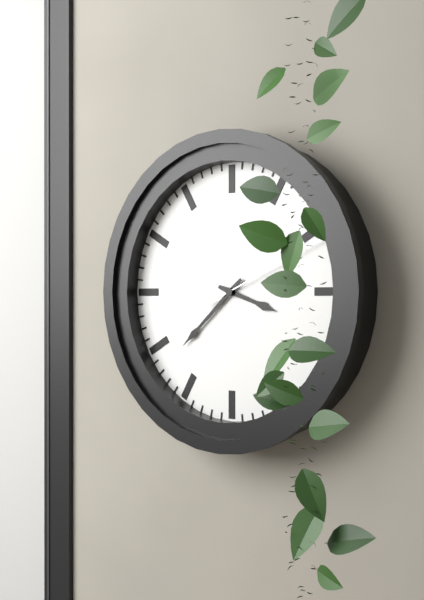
3:38
